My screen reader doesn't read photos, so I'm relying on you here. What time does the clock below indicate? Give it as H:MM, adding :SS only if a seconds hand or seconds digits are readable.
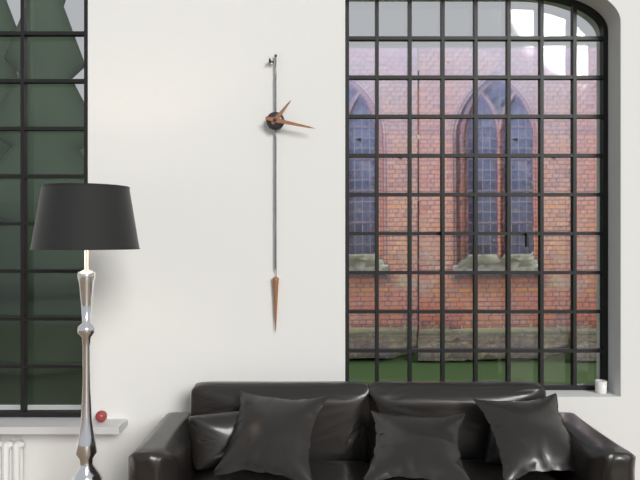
1:17
